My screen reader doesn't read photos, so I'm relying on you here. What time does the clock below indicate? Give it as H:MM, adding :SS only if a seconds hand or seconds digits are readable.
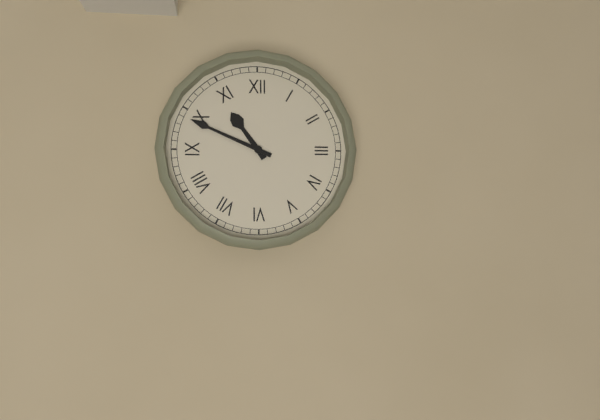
10:49
